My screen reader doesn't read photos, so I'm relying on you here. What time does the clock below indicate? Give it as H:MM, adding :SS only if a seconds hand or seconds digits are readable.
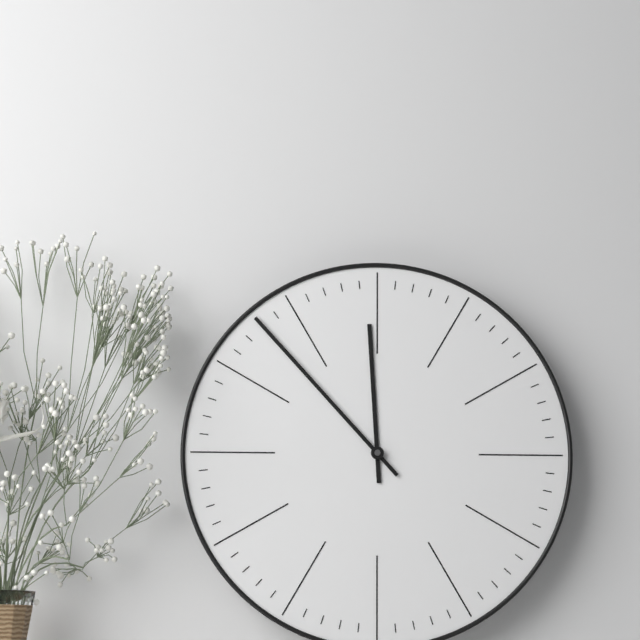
11:53
